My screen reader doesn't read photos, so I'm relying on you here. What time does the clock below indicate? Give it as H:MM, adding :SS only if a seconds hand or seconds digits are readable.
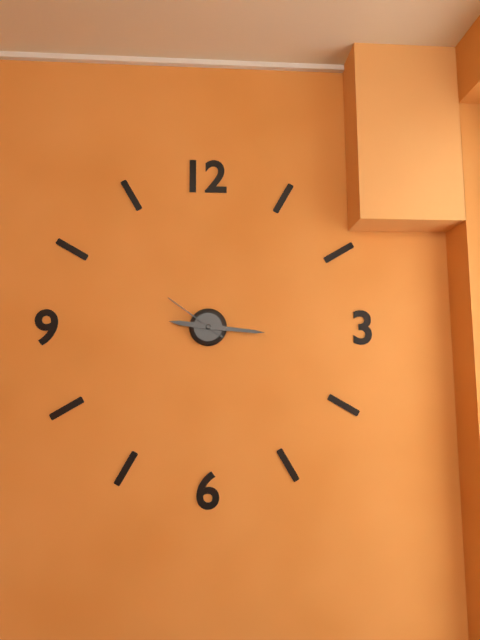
9:16:51
